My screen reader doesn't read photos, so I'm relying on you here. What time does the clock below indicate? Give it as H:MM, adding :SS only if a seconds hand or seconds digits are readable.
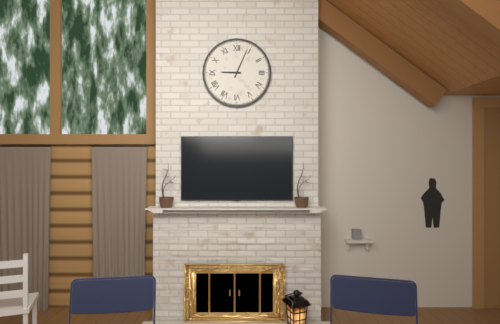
9:04
